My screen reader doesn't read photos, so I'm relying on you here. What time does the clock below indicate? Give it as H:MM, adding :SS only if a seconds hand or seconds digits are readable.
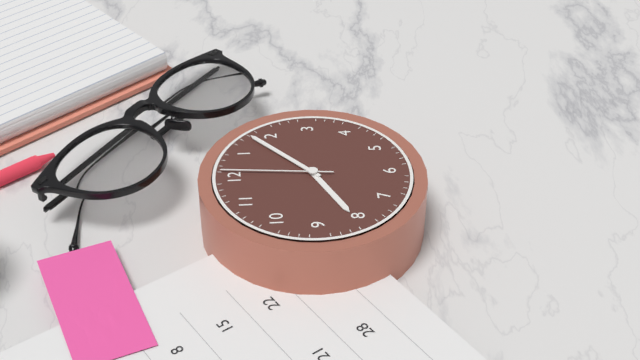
8:08:01
